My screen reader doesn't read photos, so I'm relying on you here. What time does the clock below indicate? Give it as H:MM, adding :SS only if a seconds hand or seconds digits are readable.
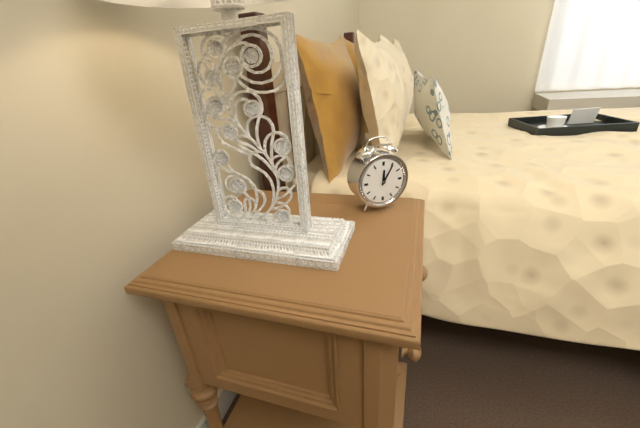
12:05
